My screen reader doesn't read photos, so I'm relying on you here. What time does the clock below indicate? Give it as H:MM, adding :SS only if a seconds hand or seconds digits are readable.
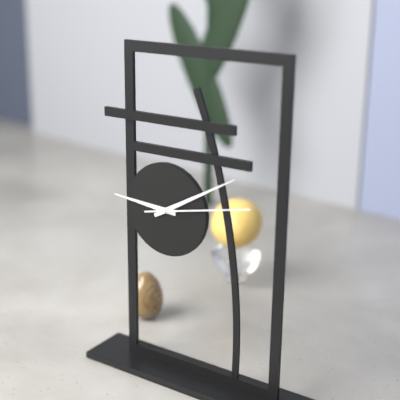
9:10:13
